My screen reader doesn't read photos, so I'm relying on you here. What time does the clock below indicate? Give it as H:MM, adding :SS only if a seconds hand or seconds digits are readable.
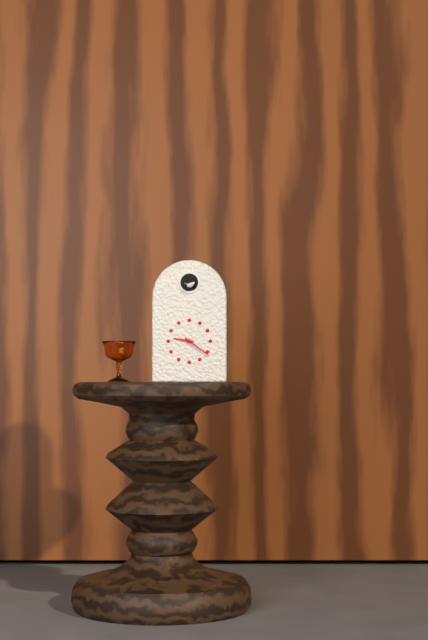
9:21
